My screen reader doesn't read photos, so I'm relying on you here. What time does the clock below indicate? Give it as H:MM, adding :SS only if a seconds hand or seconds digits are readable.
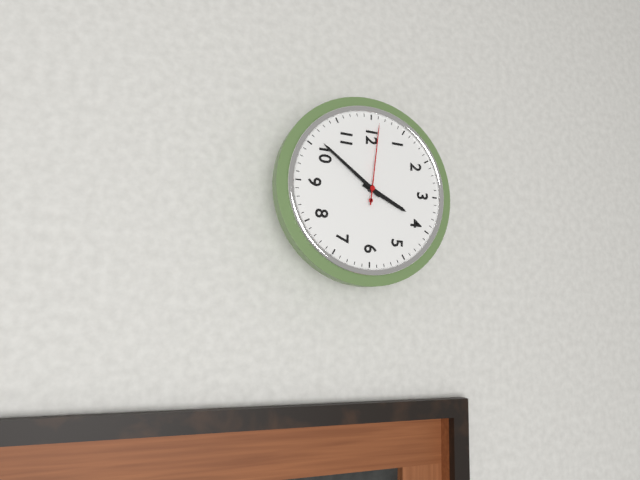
3:51:01
